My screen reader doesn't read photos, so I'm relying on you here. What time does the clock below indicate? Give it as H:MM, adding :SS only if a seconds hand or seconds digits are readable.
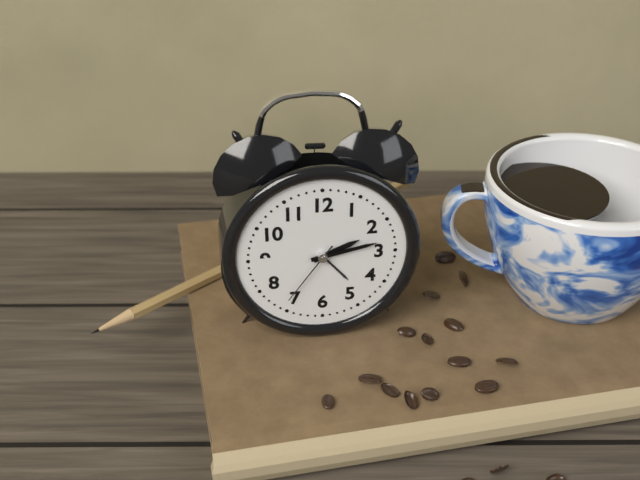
2:13:36
